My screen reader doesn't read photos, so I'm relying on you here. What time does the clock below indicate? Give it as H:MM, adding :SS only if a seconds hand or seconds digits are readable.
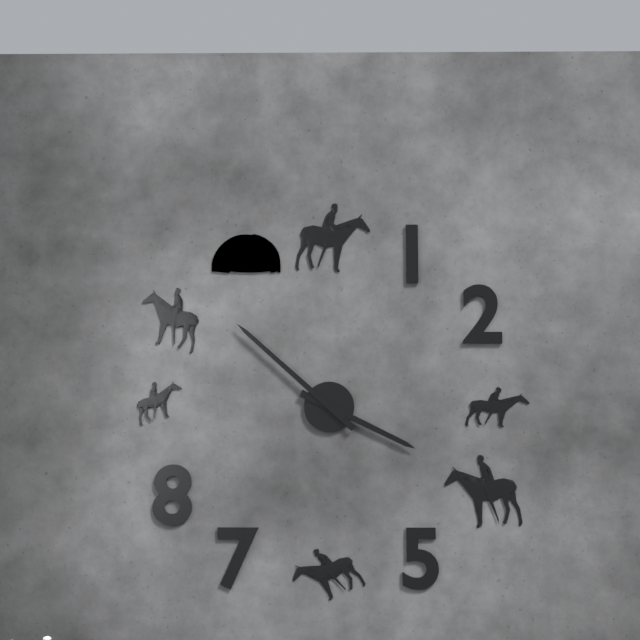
3:52
